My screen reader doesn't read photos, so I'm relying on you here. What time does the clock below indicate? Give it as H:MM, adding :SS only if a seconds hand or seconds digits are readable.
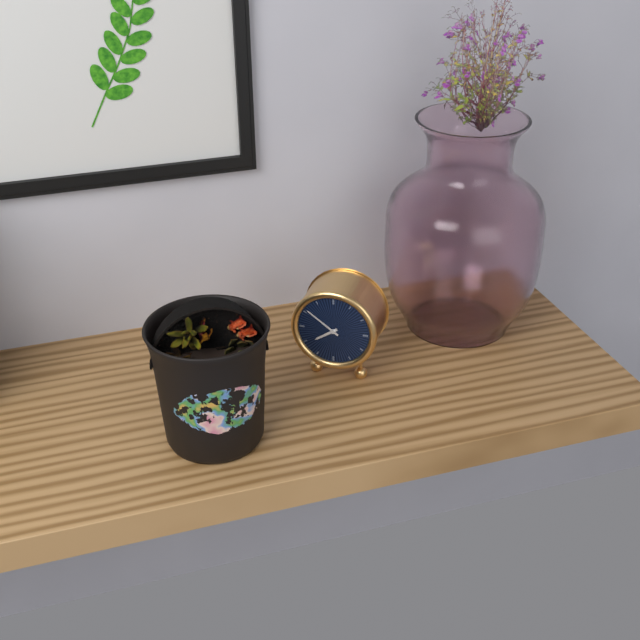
7:51
